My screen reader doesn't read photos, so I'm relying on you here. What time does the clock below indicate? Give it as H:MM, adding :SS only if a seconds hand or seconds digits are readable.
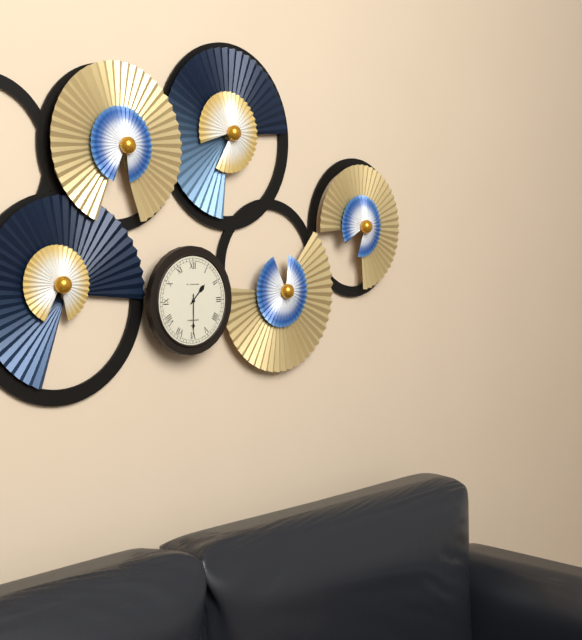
1:30
